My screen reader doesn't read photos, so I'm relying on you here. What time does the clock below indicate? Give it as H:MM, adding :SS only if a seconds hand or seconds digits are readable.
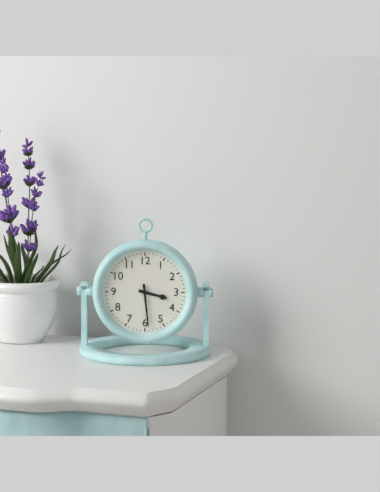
3:29
